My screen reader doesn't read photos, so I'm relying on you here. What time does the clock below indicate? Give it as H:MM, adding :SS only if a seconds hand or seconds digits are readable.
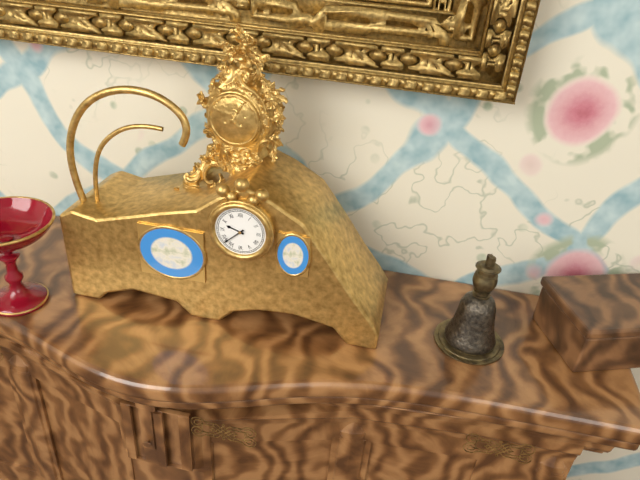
9:38
